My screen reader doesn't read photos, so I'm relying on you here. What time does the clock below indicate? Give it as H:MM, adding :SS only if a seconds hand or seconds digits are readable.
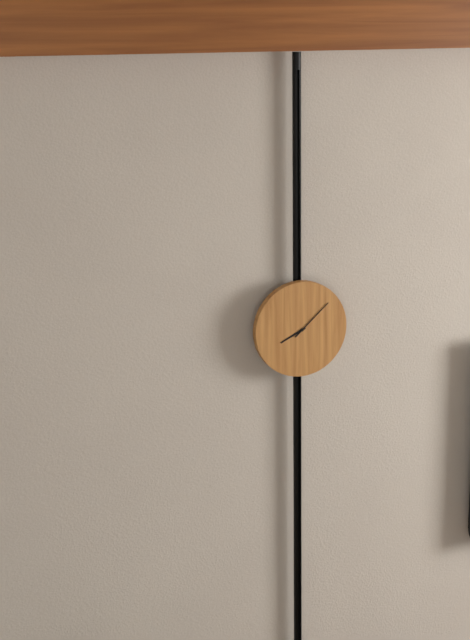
8:08
